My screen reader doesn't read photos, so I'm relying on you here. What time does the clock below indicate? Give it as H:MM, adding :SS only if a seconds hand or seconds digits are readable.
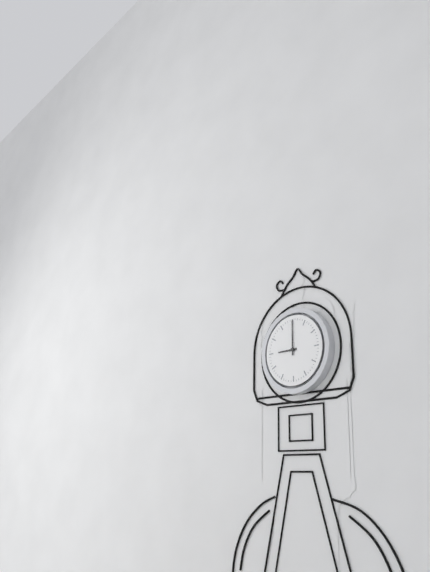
9:00
